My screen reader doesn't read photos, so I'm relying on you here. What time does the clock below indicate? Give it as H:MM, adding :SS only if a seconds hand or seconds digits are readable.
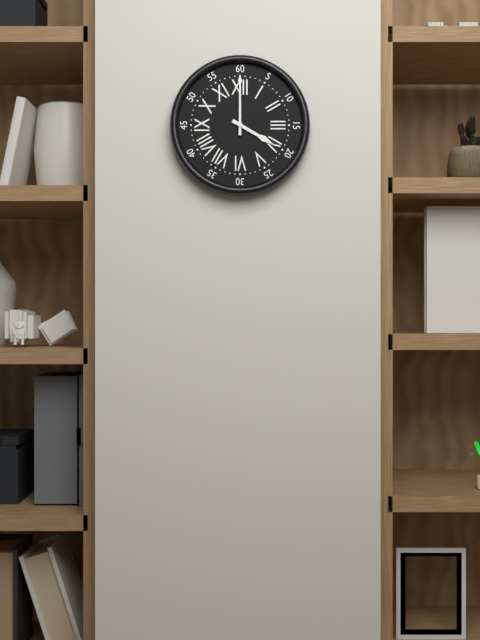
4:00
